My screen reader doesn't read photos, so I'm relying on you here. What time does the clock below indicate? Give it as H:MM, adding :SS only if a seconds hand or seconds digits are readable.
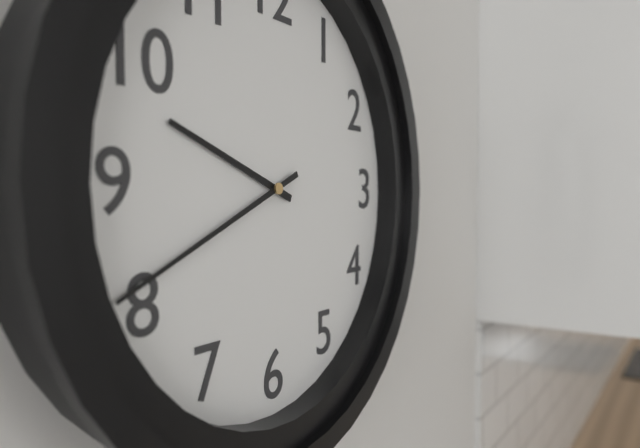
9:41
